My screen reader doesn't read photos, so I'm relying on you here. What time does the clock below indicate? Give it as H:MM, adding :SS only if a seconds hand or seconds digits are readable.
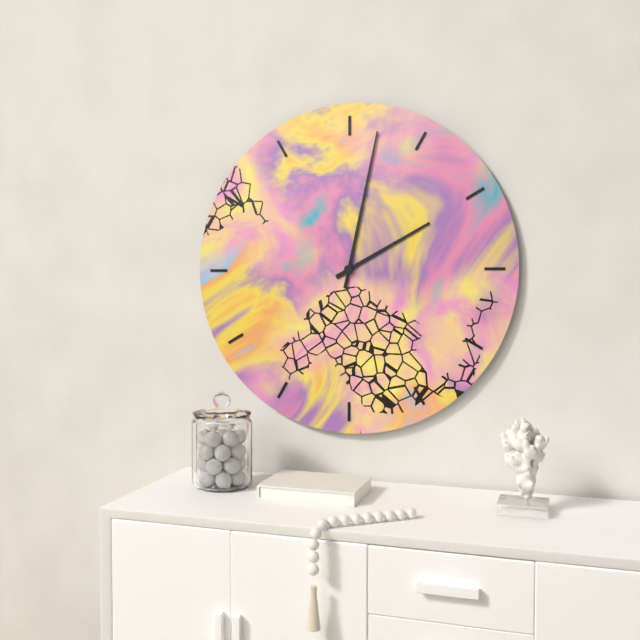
2:02
